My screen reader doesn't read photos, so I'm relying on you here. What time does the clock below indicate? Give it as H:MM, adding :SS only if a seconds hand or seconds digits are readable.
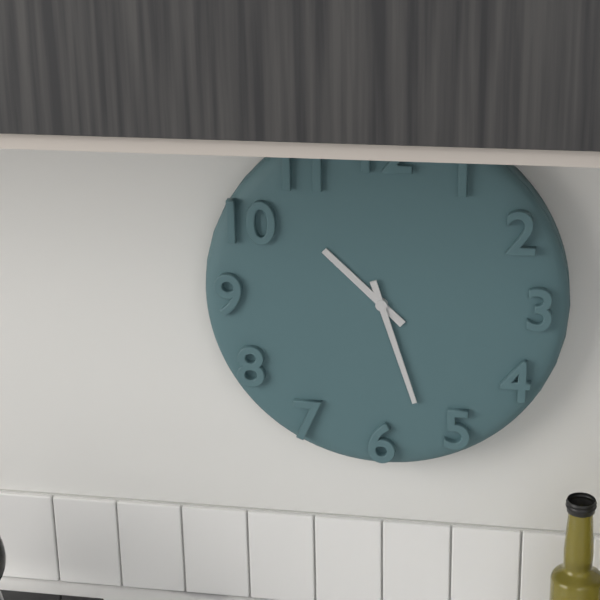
10:27
